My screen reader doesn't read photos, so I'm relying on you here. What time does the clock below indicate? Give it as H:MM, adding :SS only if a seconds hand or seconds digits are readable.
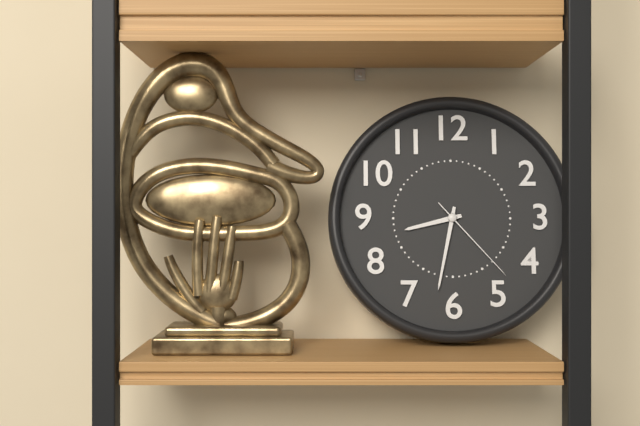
8:32:23
